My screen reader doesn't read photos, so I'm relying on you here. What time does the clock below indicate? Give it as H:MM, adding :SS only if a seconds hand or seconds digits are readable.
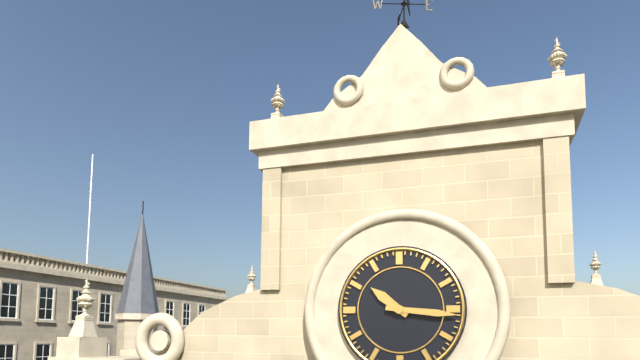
10:16
